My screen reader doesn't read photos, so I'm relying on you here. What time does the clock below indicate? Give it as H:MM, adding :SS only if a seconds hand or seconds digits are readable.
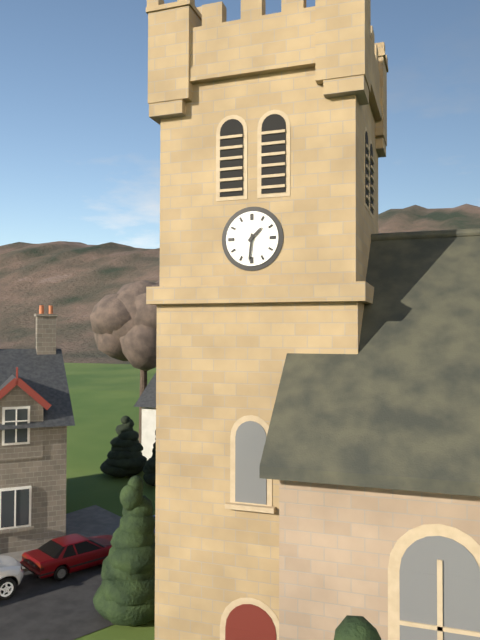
1:31
